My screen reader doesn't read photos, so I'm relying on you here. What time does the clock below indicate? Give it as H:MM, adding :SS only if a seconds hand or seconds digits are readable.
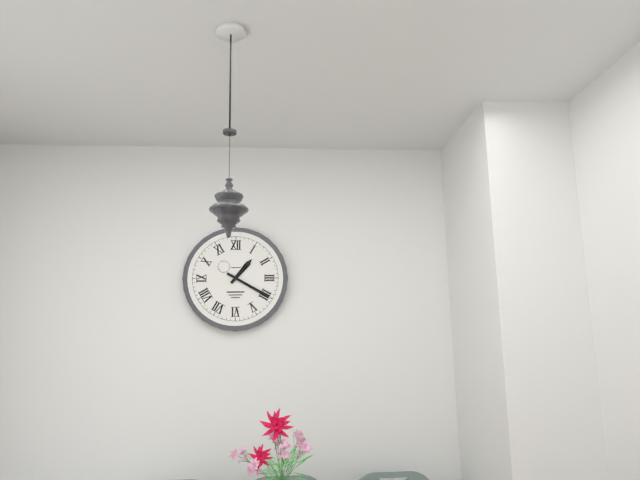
1:20
